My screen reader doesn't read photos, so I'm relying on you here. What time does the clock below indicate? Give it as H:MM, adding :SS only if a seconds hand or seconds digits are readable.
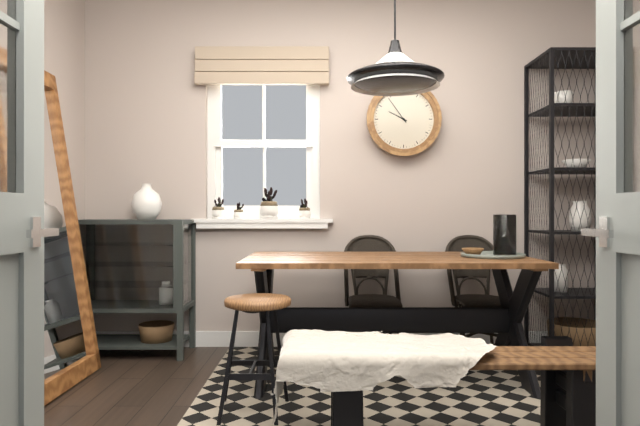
9:54
